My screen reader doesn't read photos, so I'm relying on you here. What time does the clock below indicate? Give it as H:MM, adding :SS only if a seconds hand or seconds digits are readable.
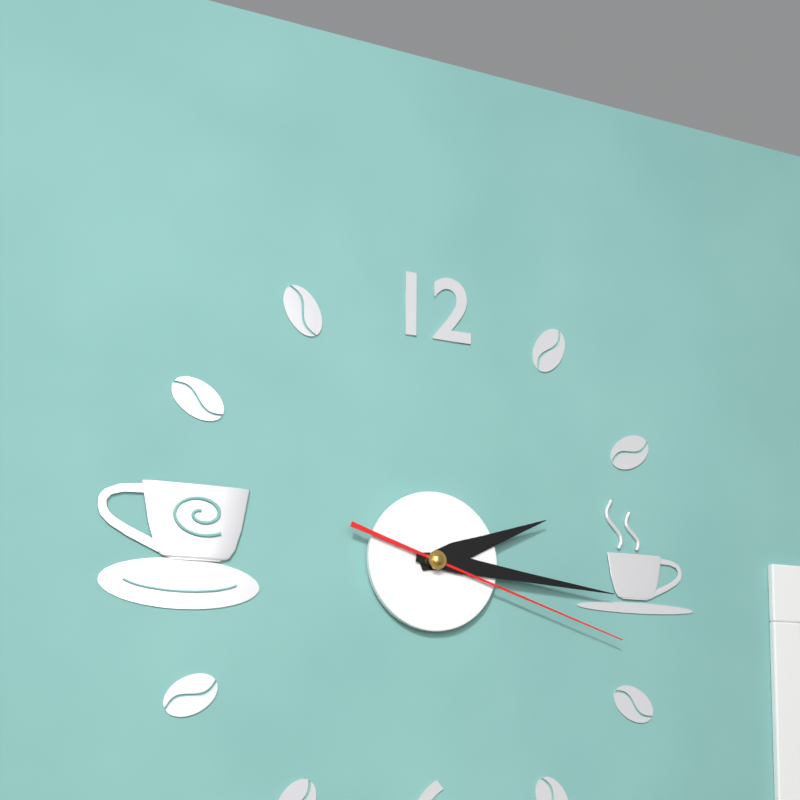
2:16:18
